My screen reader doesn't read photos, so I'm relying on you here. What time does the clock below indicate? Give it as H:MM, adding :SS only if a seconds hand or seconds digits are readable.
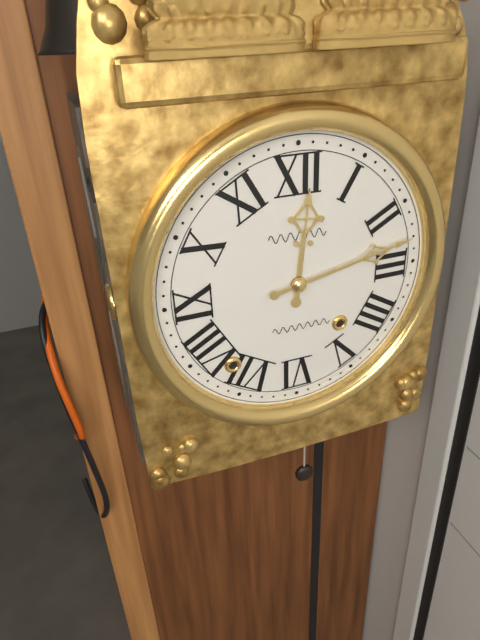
12:13
